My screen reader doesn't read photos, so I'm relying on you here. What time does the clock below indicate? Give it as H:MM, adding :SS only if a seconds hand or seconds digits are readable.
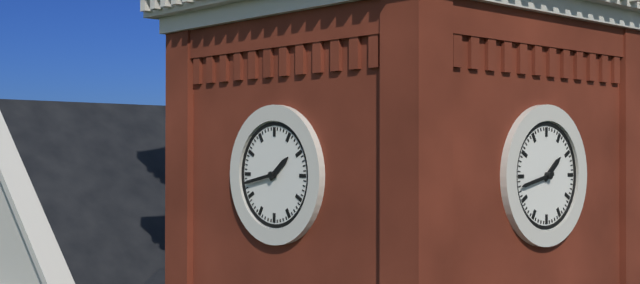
1:43
